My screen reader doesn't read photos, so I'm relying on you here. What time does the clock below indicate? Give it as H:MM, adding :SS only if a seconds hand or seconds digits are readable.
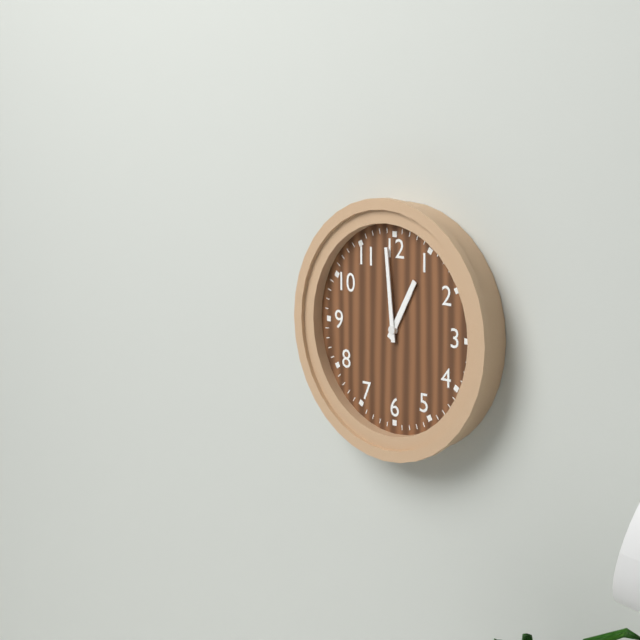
12:59
